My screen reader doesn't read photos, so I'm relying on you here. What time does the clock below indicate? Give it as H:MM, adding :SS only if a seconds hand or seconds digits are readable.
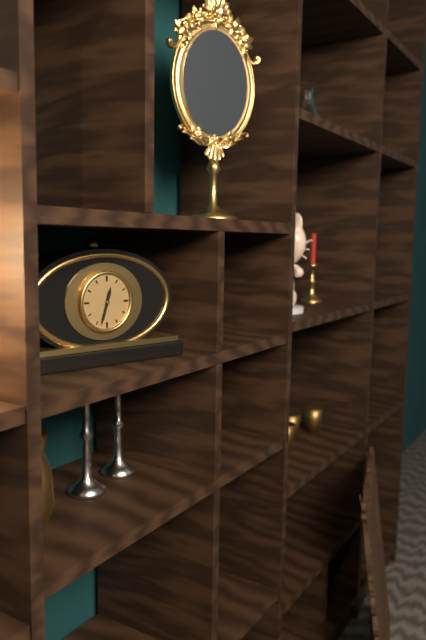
12:33
